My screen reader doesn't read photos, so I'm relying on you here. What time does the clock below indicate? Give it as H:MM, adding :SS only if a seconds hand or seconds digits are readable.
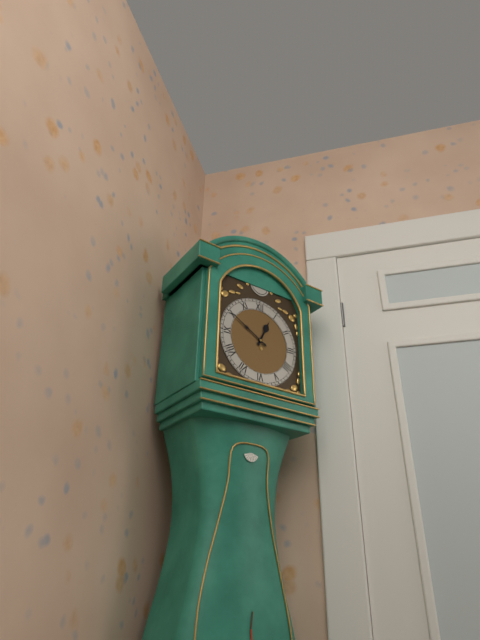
12:50
